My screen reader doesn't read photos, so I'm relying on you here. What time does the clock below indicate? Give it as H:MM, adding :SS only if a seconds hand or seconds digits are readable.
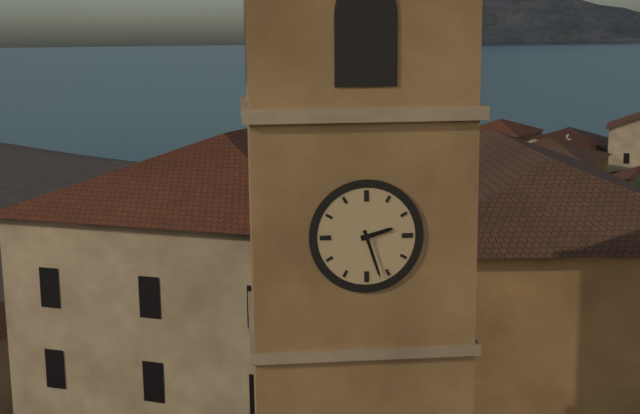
2:27
